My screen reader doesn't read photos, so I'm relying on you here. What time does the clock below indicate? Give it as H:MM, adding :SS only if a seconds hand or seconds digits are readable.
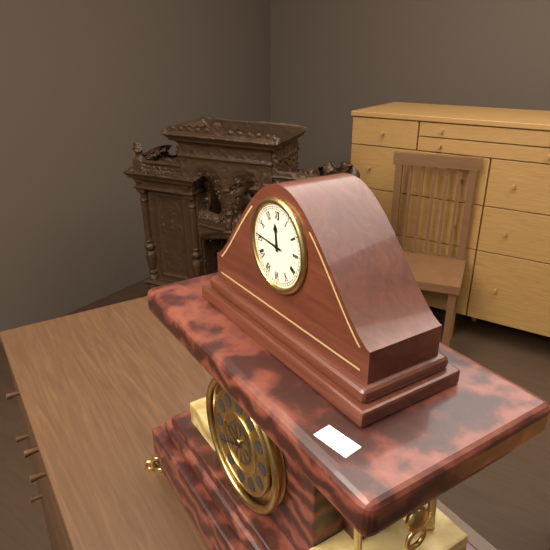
11:46
